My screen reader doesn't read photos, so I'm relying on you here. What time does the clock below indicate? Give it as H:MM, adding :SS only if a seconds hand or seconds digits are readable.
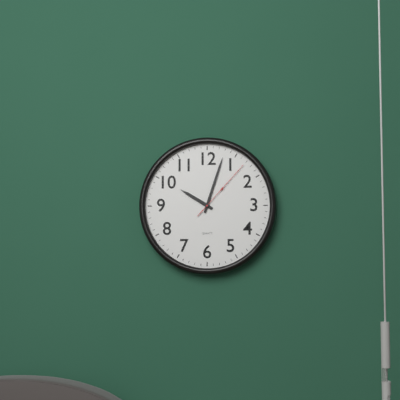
10:03:07
